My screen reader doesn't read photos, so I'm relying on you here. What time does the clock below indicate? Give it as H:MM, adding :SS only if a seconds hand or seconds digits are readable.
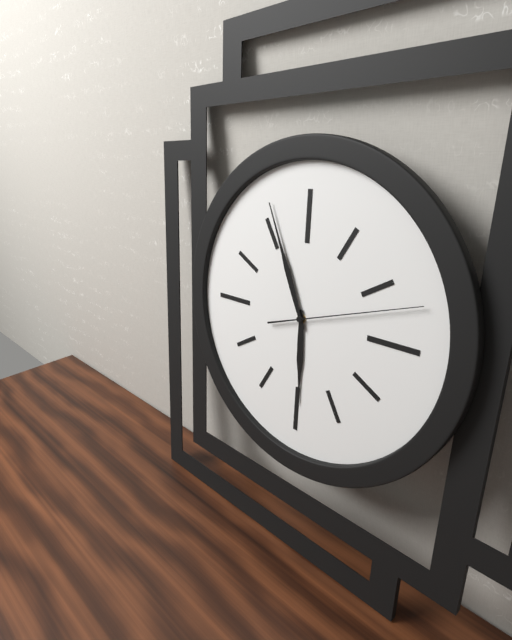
5:56:12
